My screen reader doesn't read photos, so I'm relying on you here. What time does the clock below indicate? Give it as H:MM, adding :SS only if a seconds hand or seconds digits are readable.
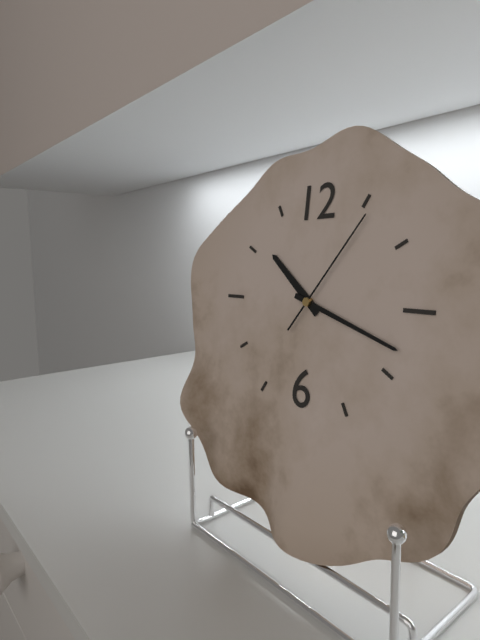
10:18:06
